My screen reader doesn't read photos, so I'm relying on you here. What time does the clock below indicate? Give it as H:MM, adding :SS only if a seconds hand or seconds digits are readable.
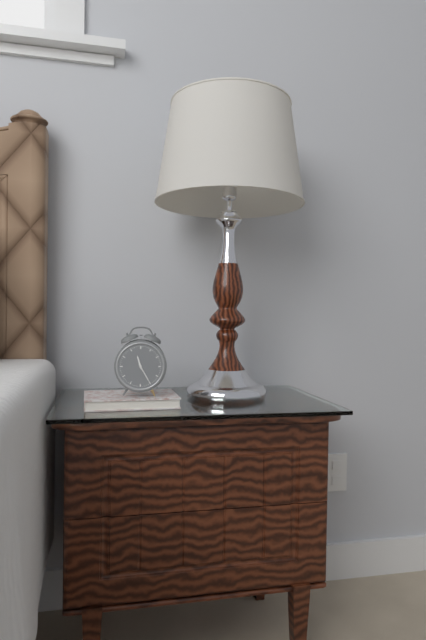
11:25
